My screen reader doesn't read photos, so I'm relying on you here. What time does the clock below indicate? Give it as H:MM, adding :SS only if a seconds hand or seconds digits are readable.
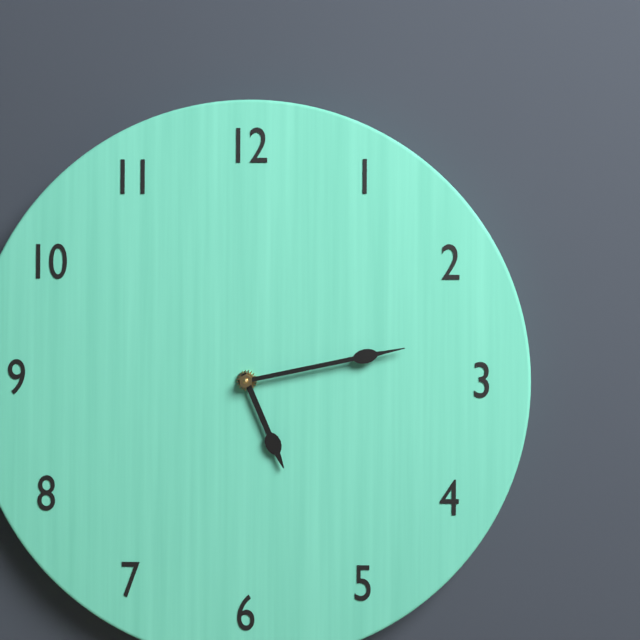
5:13
